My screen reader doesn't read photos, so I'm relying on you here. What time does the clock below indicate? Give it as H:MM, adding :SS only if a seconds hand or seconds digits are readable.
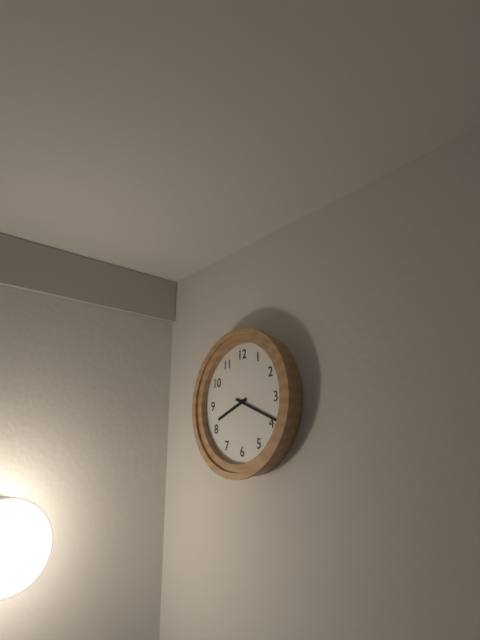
8:19
